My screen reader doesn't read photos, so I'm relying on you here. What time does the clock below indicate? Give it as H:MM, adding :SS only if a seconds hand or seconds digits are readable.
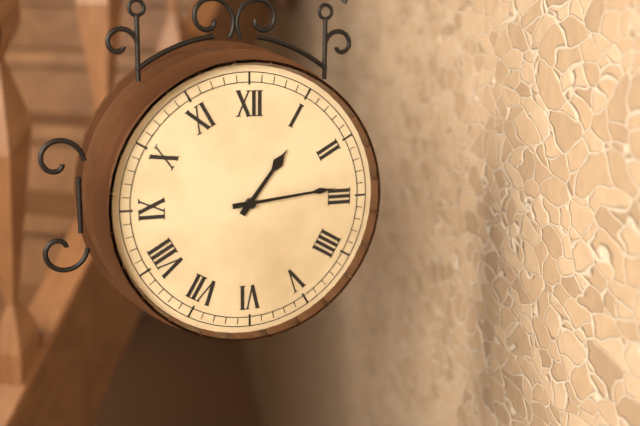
1:14
